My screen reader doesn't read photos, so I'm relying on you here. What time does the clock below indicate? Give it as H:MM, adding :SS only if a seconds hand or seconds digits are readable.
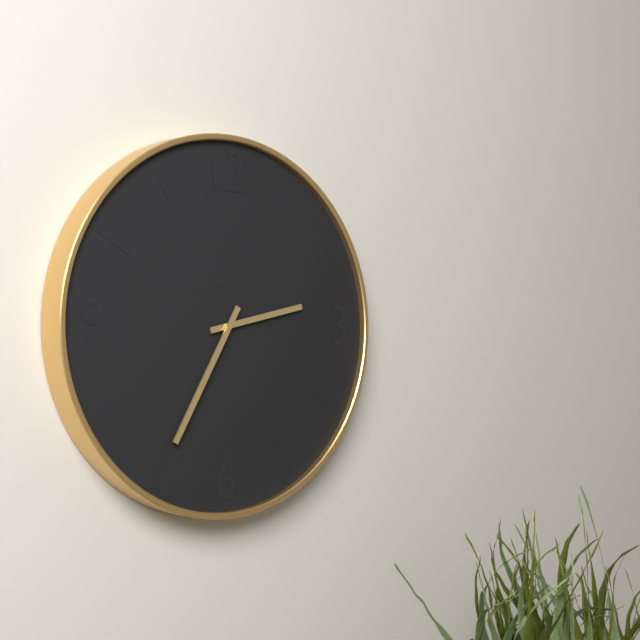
2:35
